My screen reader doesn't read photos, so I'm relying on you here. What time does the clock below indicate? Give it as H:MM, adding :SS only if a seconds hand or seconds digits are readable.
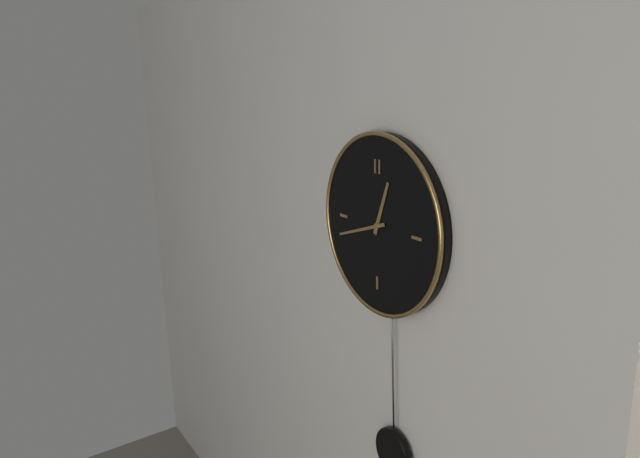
12:42
